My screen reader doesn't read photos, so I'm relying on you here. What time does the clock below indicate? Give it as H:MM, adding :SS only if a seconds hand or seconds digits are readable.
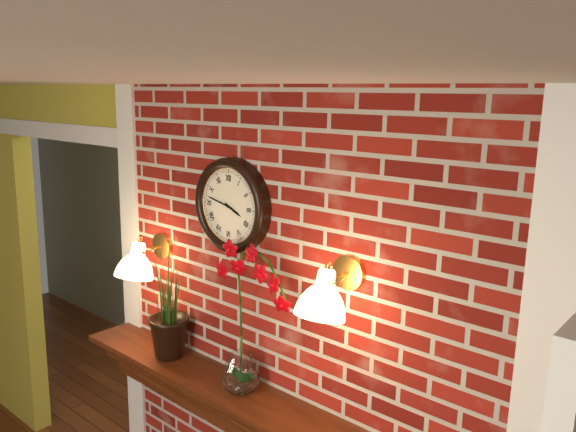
3:47
